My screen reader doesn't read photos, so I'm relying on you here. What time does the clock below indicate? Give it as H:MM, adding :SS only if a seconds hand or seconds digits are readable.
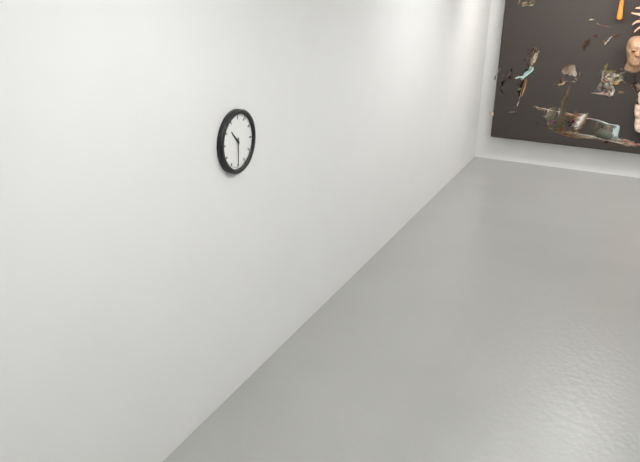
10:30
